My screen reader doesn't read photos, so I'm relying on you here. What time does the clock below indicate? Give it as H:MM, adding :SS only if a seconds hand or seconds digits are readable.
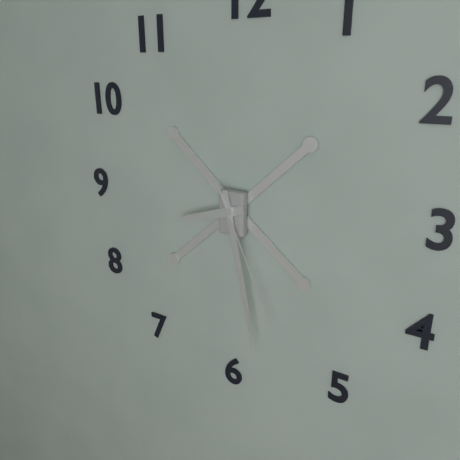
8:28:26
